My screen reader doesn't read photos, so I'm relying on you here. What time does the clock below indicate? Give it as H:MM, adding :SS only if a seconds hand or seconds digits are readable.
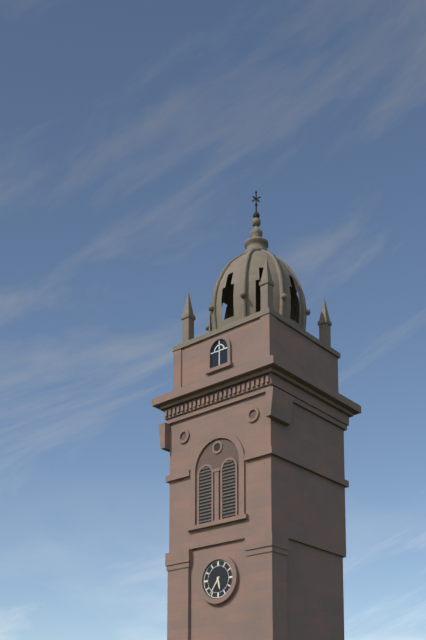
5:36
